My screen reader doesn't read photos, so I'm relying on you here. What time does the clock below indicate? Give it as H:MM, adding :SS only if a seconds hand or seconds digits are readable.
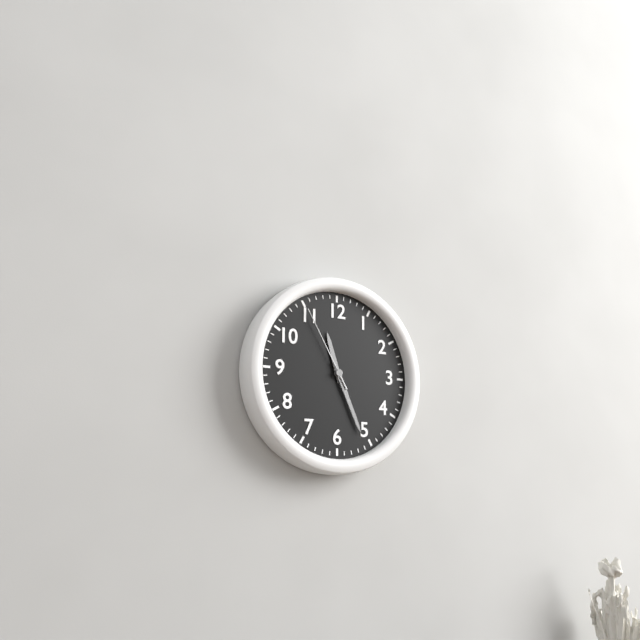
11:26:55
